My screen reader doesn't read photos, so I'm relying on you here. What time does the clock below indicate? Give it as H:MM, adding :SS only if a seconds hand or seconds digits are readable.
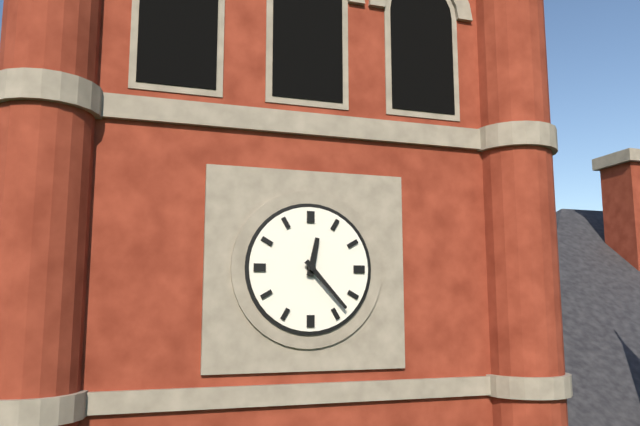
12:23
